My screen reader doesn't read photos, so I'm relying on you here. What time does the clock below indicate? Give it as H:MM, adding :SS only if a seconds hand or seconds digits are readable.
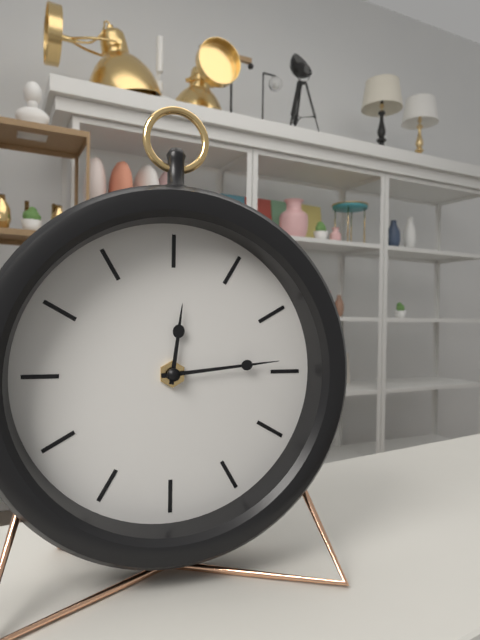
12:14
